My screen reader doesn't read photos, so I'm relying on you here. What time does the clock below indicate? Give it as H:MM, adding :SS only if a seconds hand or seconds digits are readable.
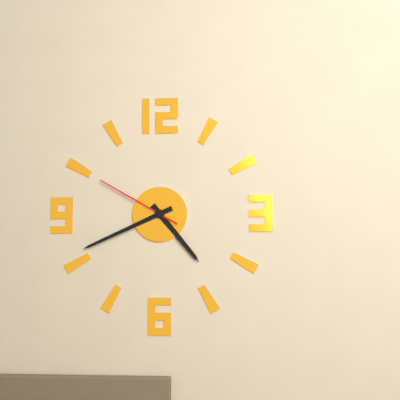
4:41:50
